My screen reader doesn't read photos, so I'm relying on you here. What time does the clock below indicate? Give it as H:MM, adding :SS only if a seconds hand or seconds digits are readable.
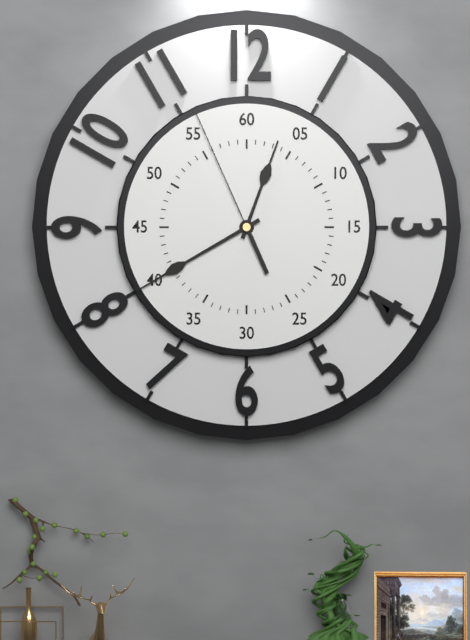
12:40:56
